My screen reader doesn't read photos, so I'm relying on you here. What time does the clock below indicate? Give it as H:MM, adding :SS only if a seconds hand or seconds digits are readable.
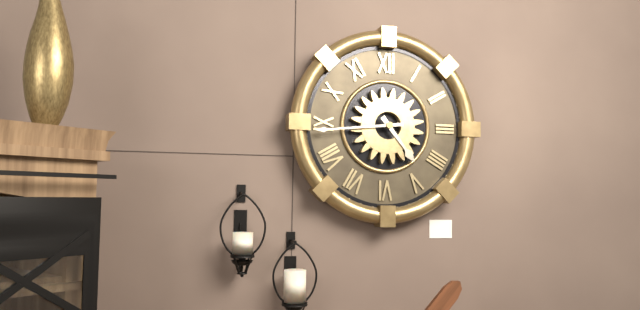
4:44
